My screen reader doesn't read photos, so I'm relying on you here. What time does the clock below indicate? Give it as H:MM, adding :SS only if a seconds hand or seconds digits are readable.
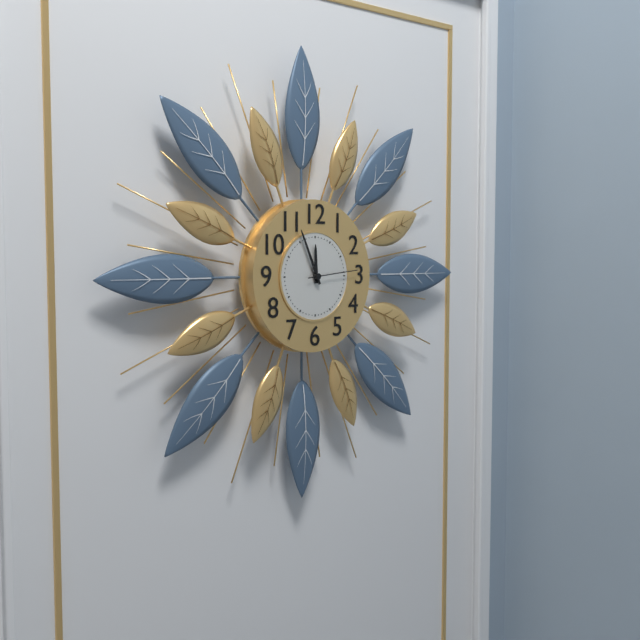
11:56:14
